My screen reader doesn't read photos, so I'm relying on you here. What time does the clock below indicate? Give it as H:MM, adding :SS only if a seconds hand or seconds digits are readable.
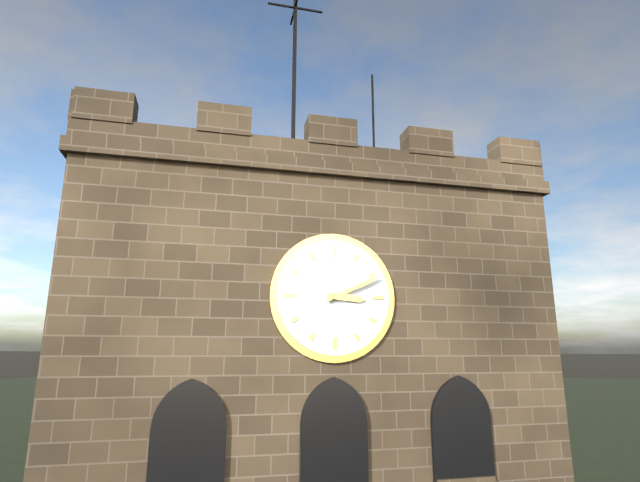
3:11
